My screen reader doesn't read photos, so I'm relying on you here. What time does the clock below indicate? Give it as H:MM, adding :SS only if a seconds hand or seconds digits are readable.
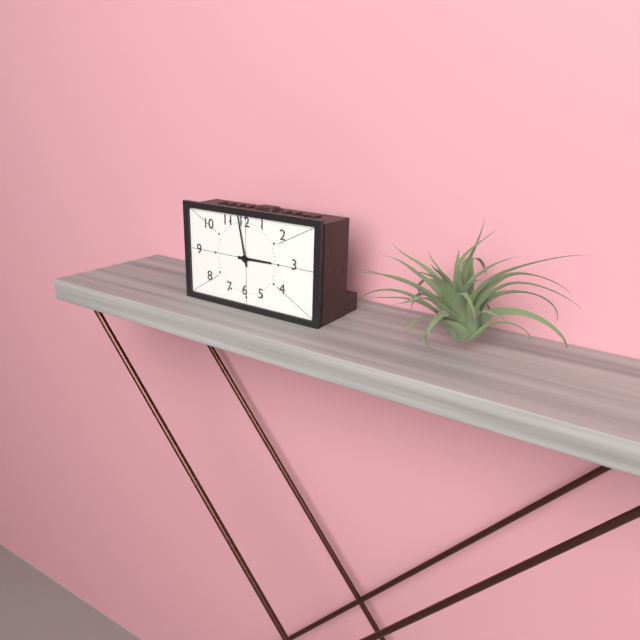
2:58
